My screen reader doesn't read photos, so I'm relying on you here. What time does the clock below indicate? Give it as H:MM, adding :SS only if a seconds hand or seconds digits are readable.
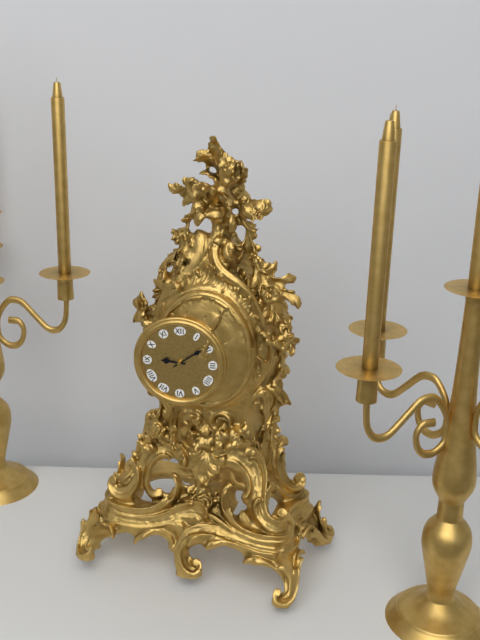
9:09
